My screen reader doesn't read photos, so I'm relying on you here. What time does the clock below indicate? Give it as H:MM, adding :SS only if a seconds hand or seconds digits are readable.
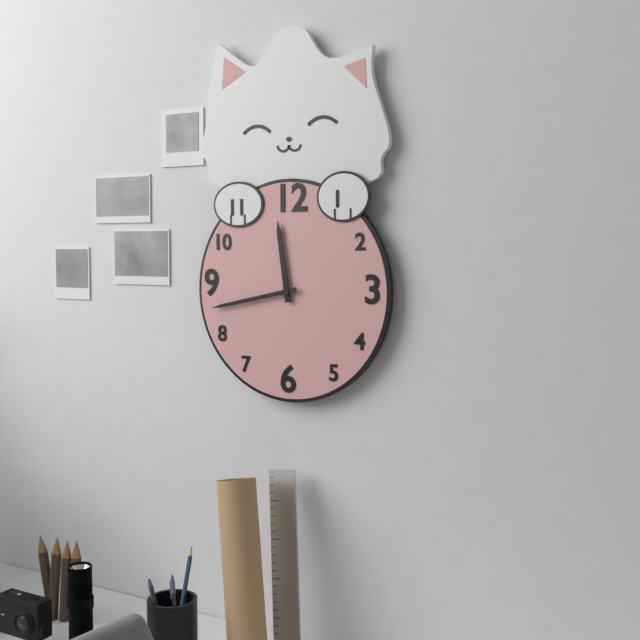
11:43
